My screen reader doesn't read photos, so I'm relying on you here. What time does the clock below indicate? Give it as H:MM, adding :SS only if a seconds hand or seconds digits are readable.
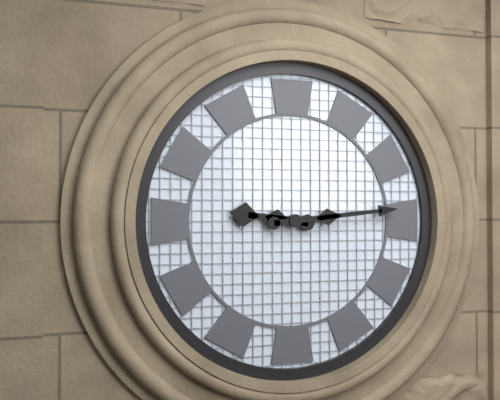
9:14
